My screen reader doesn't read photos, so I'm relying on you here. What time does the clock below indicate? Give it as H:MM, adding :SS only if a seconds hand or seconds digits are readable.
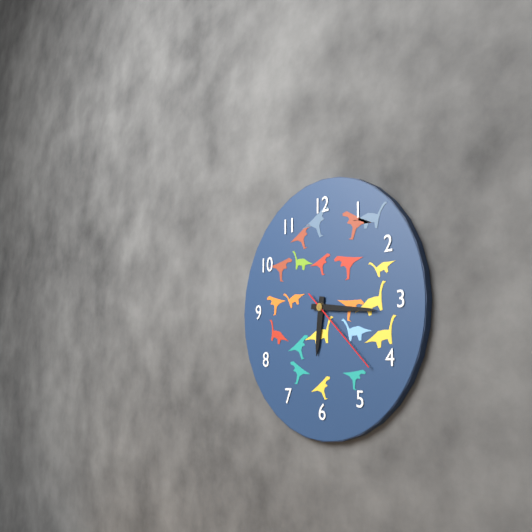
6:16:22
